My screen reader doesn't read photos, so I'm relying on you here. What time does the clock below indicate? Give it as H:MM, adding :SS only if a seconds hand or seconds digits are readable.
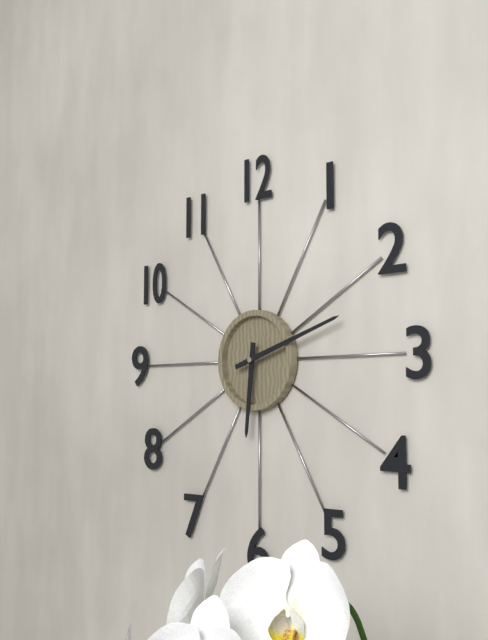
6:12
